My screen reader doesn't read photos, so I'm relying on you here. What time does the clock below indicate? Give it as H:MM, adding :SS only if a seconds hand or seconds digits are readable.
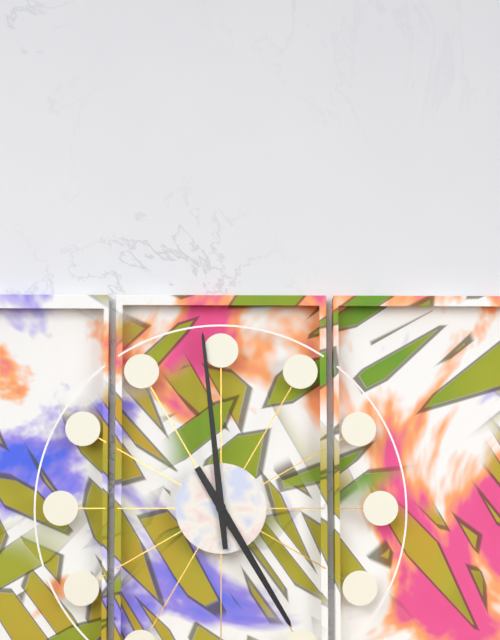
4:59
